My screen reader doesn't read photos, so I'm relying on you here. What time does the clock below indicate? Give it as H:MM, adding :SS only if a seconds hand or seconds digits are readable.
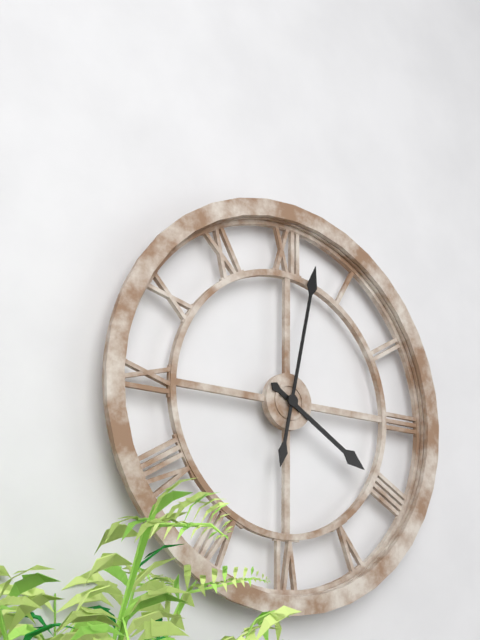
4:02
